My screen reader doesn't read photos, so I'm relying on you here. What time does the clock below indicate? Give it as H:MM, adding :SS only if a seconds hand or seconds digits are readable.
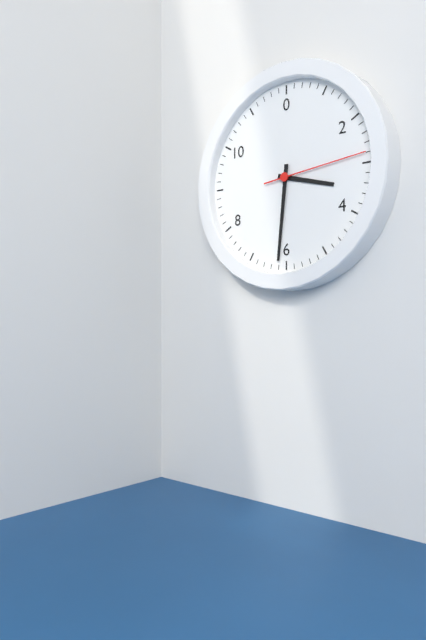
3:31:14
